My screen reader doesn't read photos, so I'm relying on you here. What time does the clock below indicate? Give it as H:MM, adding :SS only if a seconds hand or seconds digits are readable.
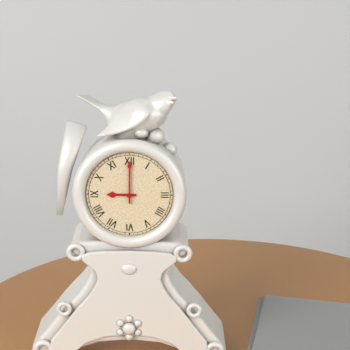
9:00
